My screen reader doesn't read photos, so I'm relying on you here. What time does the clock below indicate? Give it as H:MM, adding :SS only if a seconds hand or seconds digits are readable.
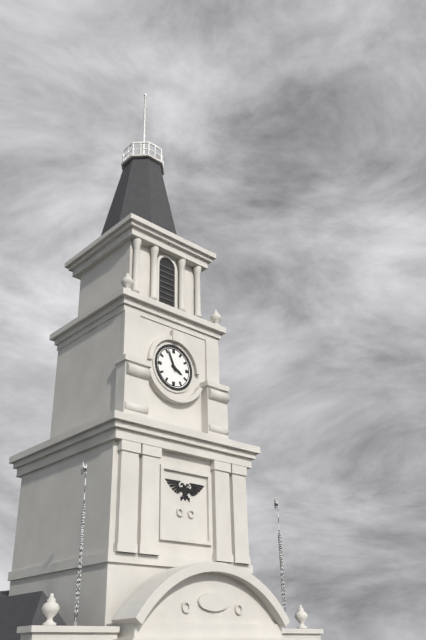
3:56
